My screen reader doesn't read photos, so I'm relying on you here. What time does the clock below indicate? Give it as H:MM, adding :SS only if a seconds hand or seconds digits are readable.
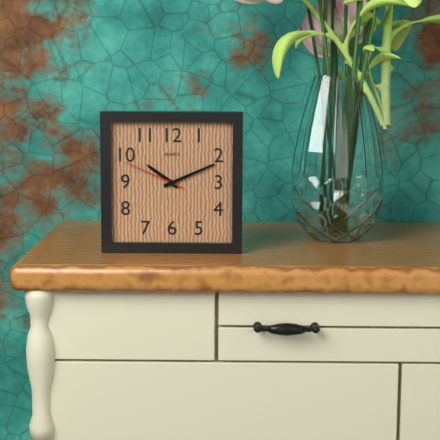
10:11:49
